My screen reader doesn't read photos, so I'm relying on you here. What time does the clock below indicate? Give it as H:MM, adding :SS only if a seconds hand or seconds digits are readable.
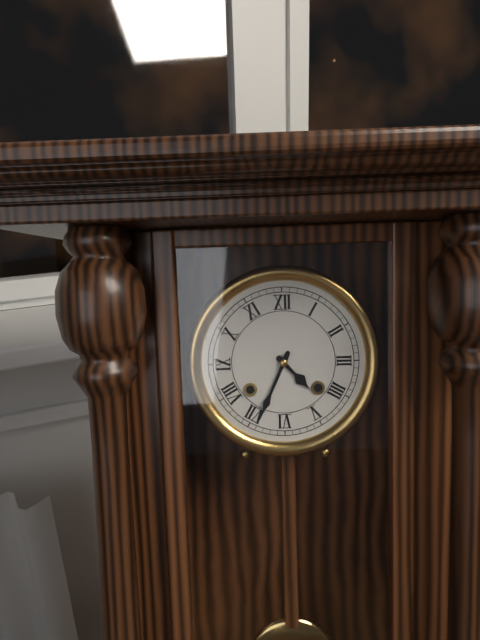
4:34
